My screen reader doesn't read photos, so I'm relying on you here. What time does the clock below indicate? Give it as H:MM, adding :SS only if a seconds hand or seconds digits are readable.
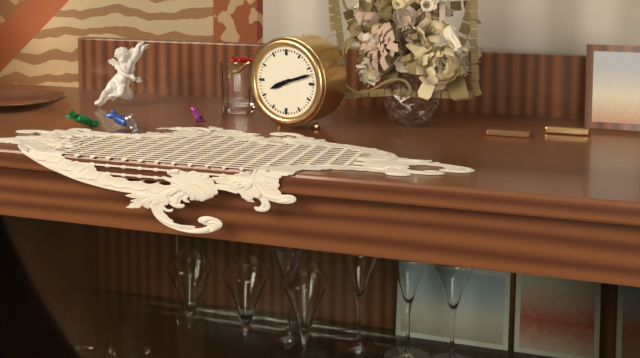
8:12
